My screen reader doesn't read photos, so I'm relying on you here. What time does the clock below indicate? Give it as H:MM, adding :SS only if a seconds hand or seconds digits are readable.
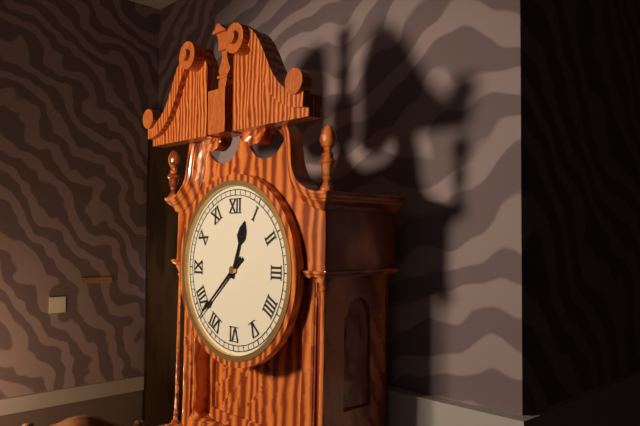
12:38
